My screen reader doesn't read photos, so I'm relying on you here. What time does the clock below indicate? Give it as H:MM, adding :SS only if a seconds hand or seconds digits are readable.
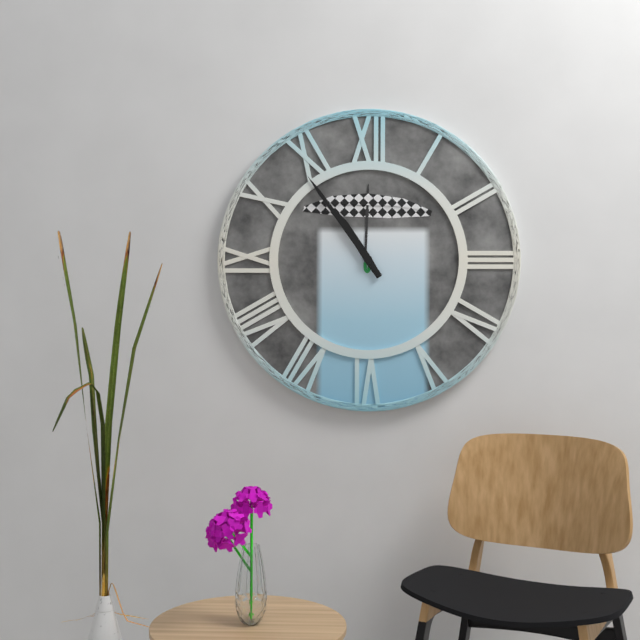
10:54
